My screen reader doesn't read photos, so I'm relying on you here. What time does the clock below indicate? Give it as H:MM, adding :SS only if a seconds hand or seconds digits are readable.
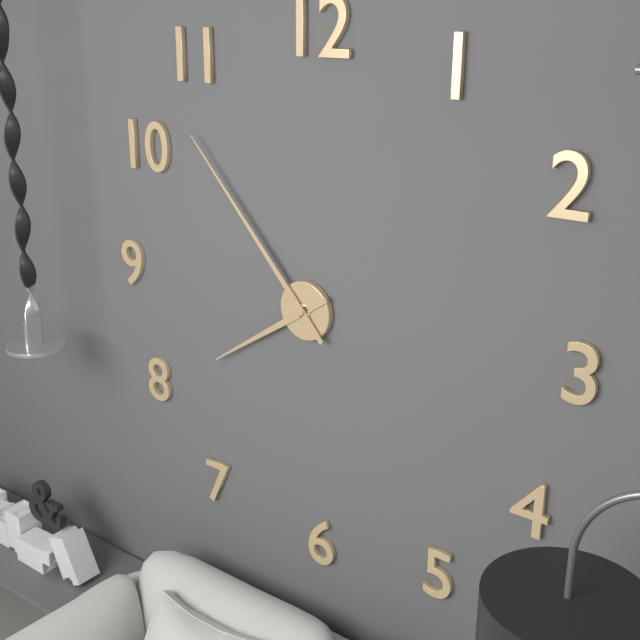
7:53
